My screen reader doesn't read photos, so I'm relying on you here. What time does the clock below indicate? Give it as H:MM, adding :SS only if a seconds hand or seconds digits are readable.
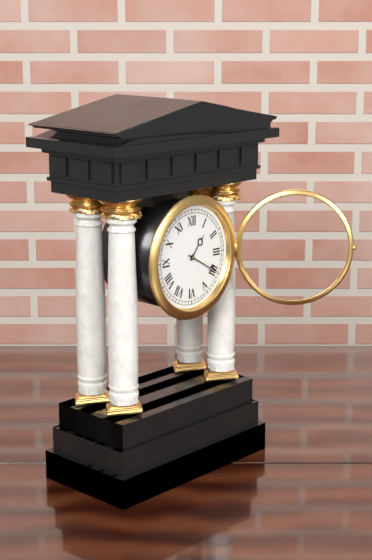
1:20
